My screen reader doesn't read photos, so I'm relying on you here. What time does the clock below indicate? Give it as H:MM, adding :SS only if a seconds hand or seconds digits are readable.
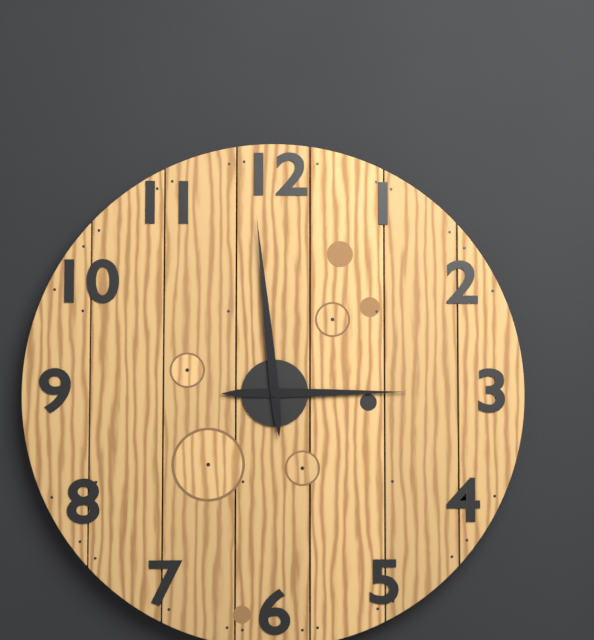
2:59
